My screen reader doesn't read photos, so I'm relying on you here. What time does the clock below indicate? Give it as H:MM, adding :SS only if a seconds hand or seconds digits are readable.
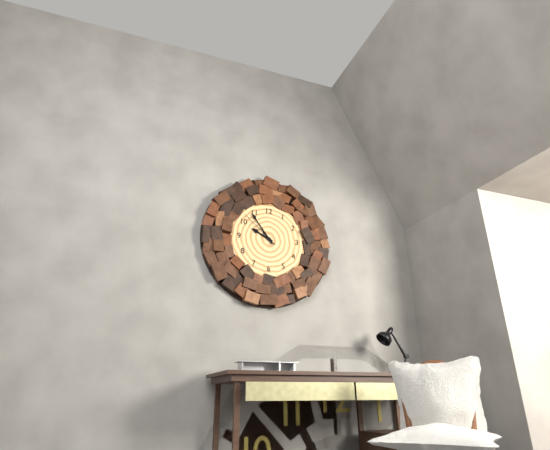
9:54
